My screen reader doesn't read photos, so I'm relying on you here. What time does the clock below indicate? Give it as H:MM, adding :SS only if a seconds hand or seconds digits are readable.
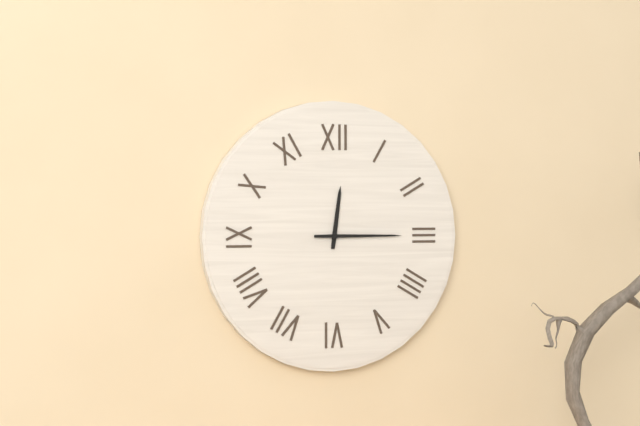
12:15
